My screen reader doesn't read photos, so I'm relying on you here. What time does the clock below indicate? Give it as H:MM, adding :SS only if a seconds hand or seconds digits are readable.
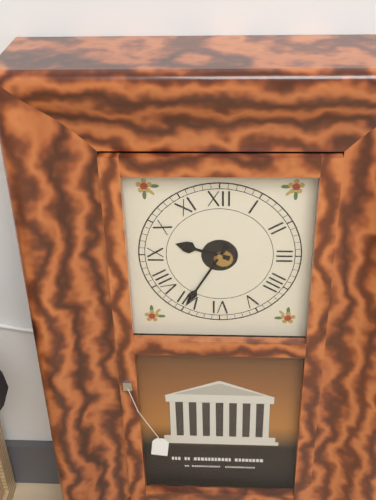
9:35
